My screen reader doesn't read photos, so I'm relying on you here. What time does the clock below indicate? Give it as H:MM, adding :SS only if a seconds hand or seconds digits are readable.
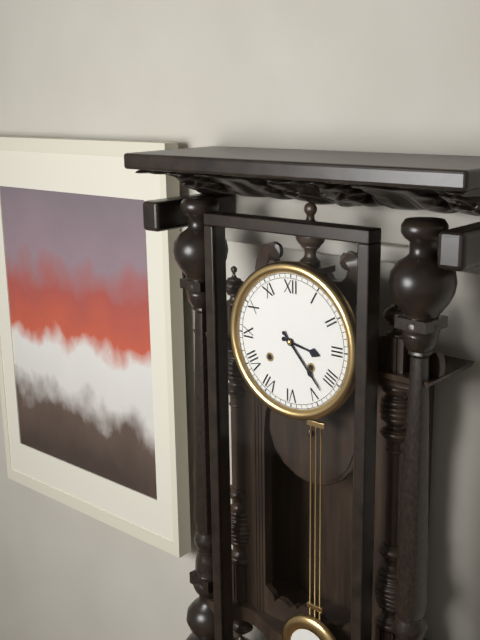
3:23
